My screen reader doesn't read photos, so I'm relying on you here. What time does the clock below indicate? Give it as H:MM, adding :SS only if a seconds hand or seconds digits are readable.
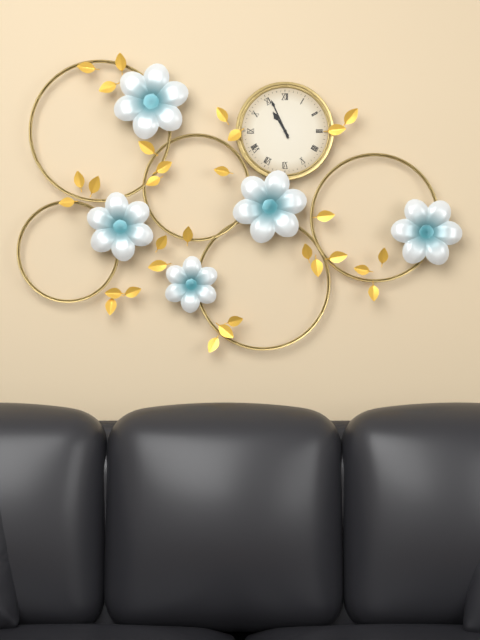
10:56
